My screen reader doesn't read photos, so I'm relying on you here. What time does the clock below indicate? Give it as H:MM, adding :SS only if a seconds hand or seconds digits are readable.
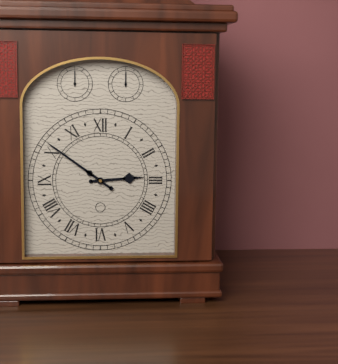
2:51
